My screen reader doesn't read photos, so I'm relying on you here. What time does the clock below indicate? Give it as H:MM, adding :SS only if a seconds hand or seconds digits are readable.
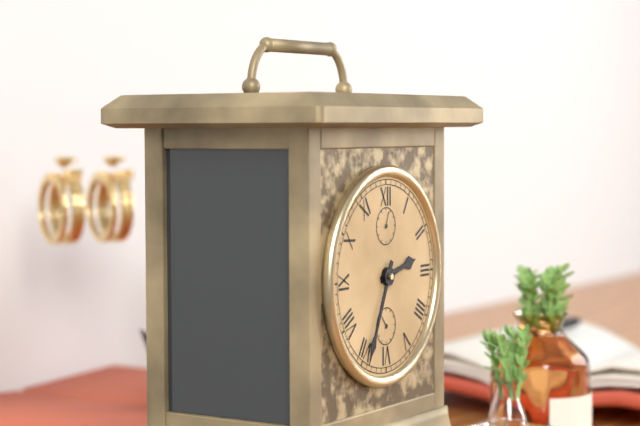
2:34
